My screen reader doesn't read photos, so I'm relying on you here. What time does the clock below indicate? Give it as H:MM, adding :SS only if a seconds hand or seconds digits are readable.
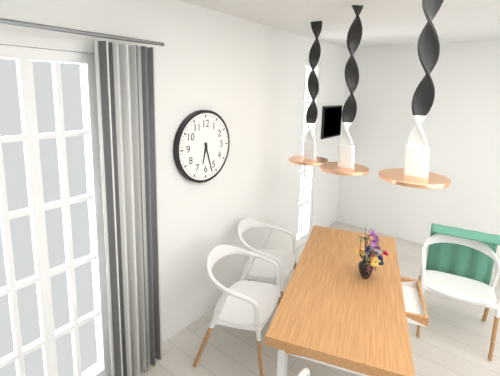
6:27
